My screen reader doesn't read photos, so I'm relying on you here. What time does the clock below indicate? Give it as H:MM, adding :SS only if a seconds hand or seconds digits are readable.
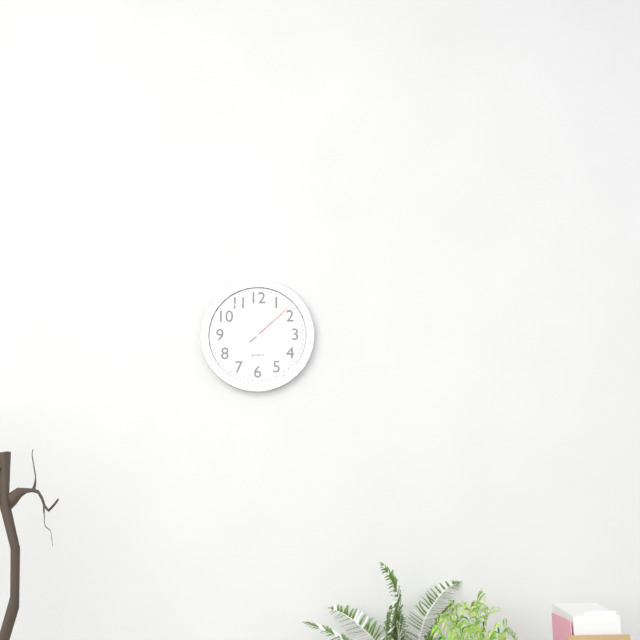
7:54:08
